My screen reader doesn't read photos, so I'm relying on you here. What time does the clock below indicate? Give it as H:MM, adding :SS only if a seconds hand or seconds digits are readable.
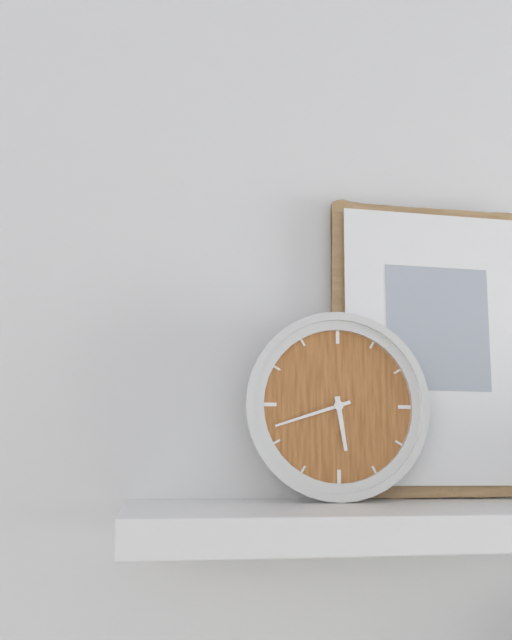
5:42
